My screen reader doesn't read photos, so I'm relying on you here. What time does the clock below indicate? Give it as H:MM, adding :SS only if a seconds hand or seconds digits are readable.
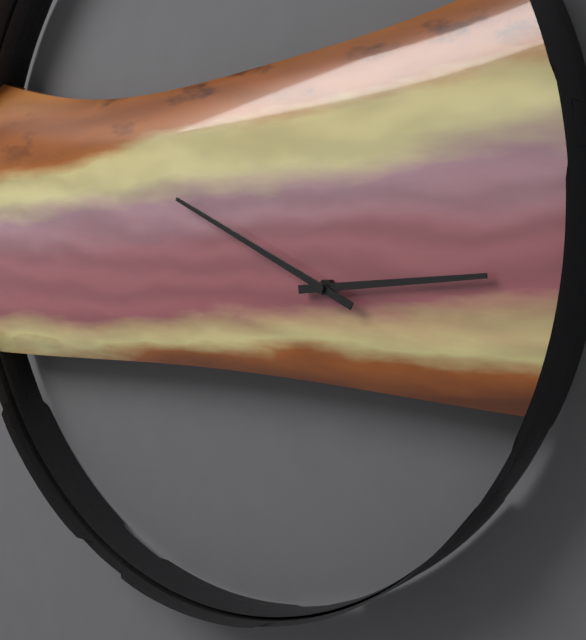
2:49
